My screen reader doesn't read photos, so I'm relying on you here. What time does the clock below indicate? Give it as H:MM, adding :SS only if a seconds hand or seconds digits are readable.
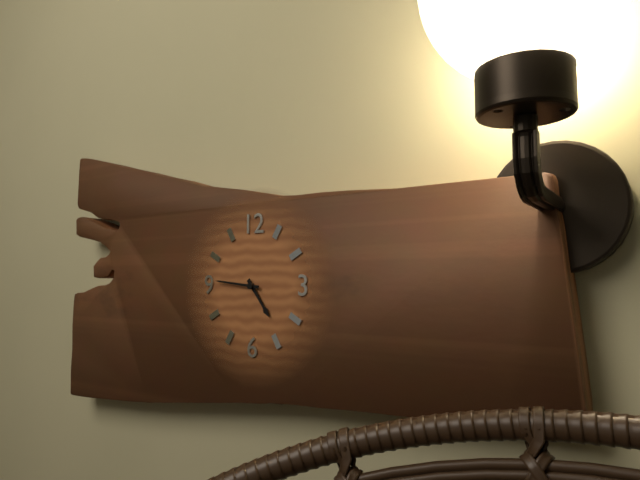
4:46
